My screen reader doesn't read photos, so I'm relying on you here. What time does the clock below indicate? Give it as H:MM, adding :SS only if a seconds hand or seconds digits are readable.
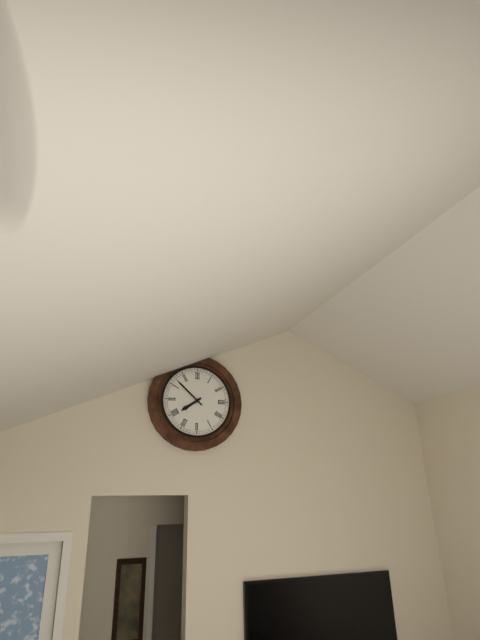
7:52
